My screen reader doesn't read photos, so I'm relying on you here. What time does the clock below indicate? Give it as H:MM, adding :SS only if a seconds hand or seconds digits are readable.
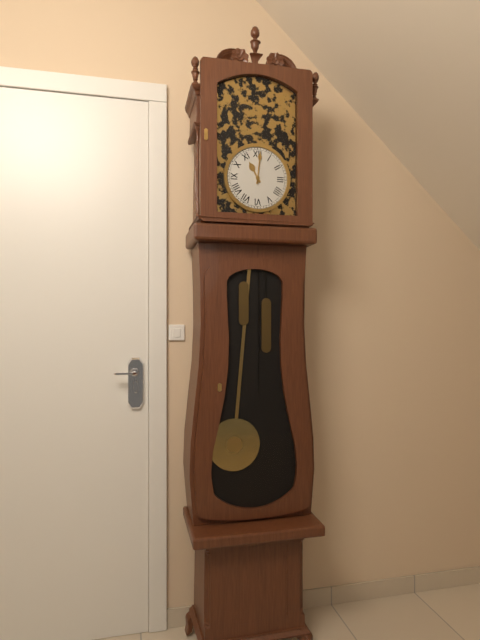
11:01
